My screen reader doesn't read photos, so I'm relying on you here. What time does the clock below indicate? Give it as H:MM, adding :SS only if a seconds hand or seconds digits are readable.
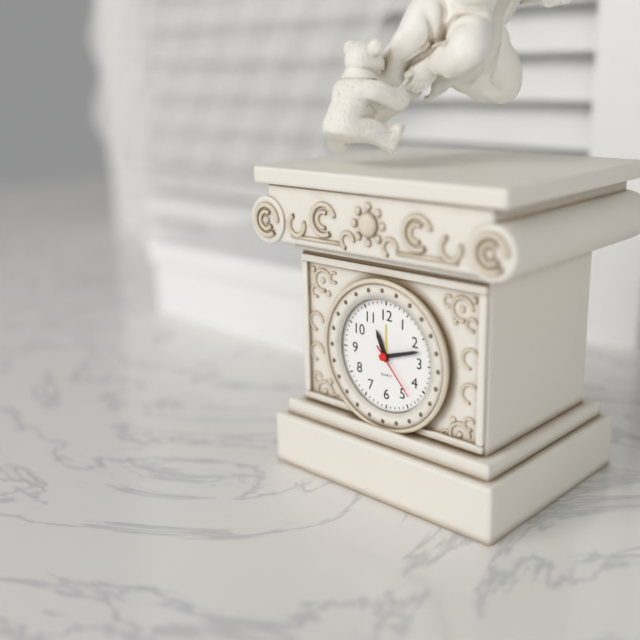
11:12:23
